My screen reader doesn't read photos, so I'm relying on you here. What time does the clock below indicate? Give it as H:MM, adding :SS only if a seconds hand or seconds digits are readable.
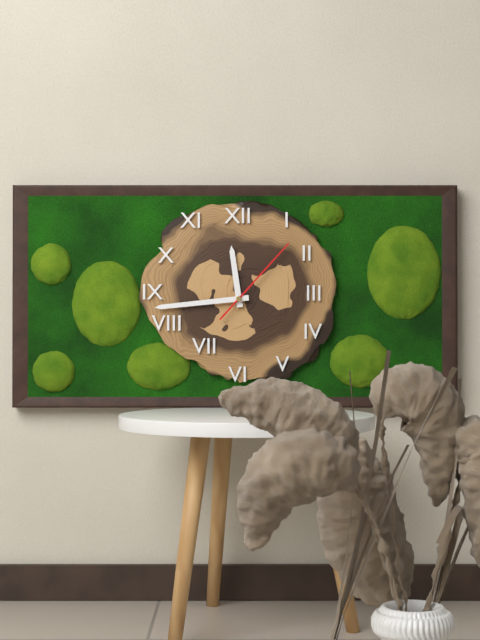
11:44:07
